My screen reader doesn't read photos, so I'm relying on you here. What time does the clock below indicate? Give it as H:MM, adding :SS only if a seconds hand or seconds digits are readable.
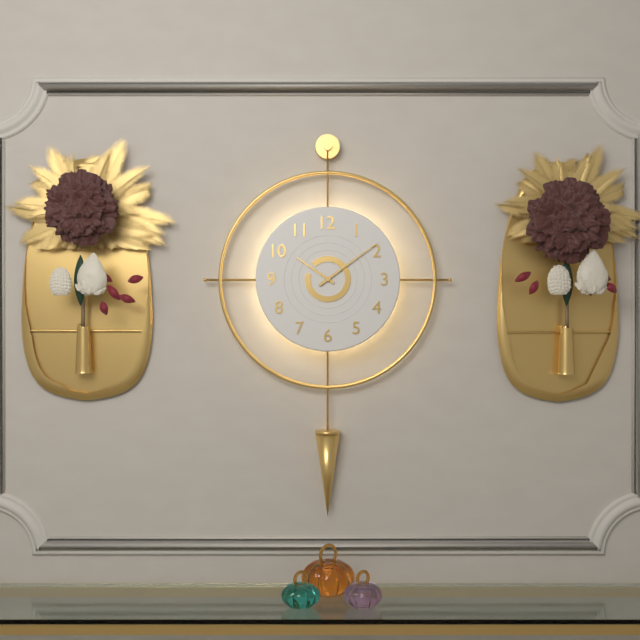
10:09
